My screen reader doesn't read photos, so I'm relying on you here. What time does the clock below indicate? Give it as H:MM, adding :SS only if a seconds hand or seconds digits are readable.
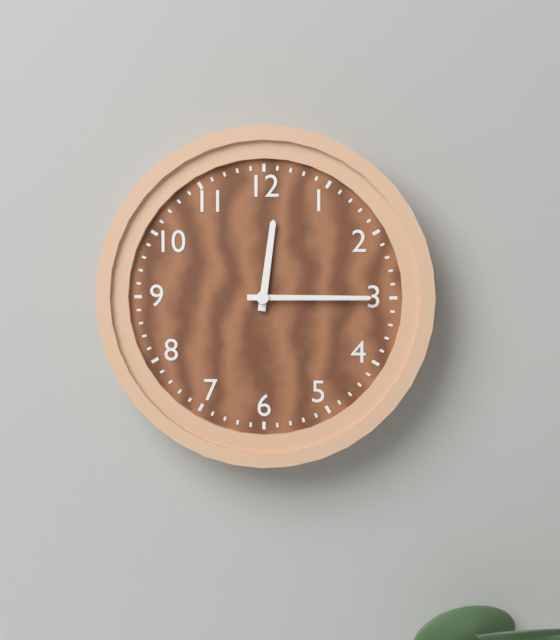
12:15
